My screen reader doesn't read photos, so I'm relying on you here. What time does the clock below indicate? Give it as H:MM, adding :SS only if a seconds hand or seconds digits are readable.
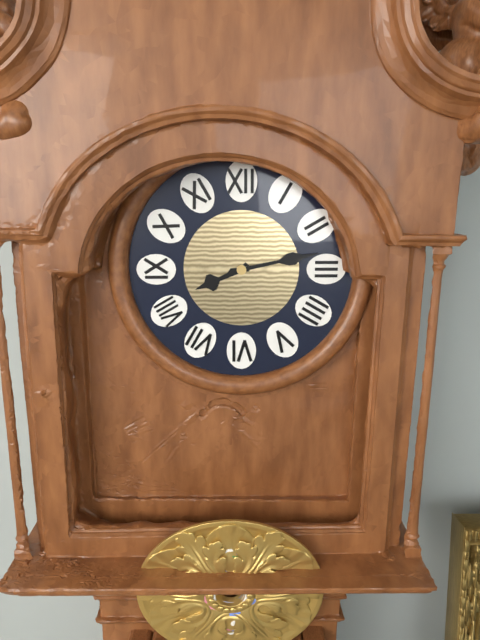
8:13
